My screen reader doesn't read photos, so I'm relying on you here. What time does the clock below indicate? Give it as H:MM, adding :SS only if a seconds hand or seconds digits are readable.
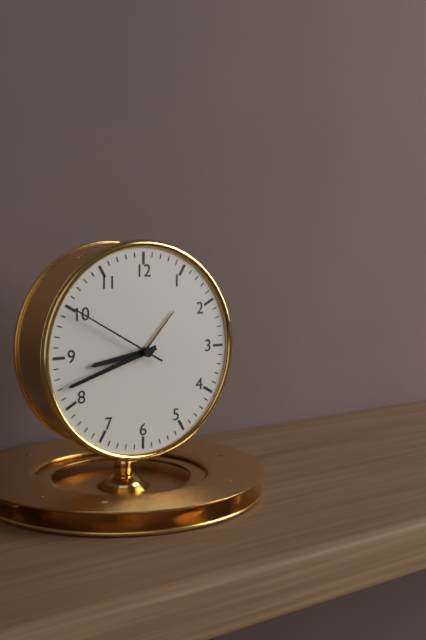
8:42:50
